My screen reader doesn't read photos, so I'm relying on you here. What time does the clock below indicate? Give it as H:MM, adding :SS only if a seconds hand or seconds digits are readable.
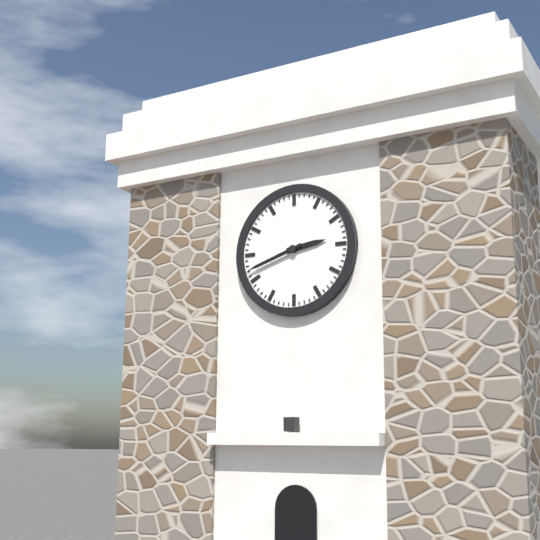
2:42
